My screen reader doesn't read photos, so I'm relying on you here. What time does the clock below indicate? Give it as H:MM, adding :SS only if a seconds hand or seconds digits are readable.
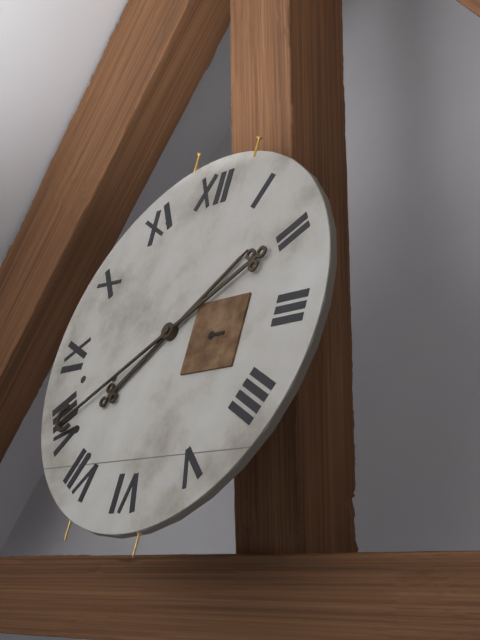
1:40
